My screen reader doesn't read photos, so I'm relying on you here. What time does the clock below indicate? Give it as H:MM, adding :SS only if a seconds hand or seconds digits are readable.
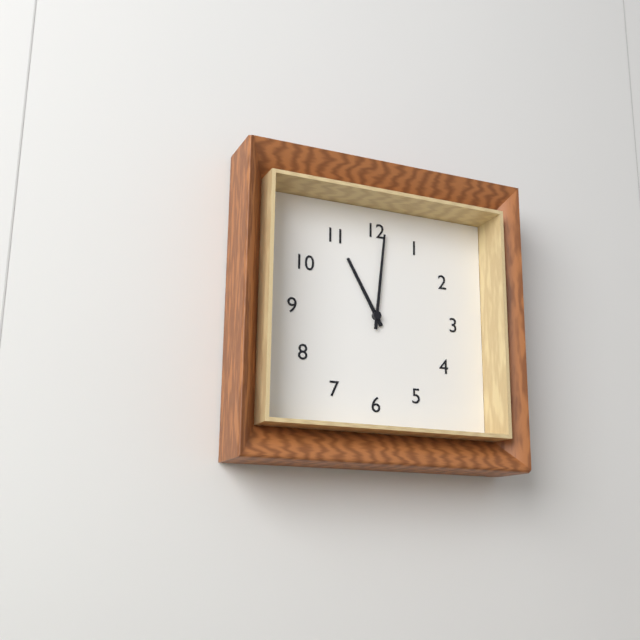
11:01
